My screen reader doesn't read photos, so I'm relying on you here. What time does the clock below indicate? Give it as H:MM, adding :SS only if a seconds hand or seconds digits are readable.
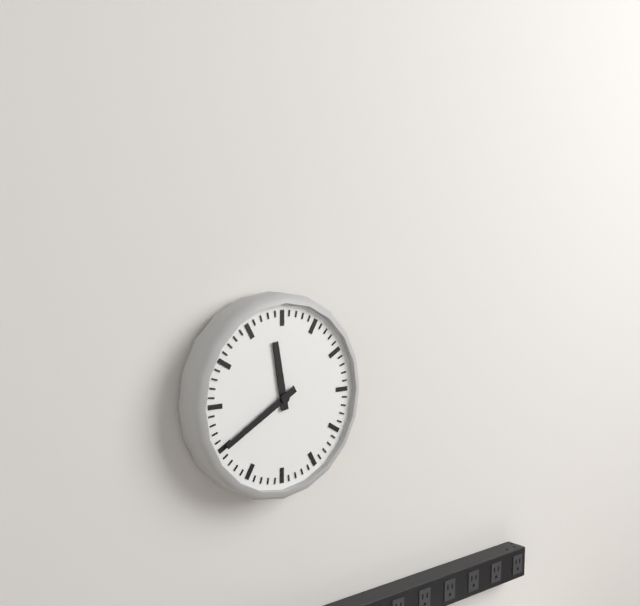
11:40
